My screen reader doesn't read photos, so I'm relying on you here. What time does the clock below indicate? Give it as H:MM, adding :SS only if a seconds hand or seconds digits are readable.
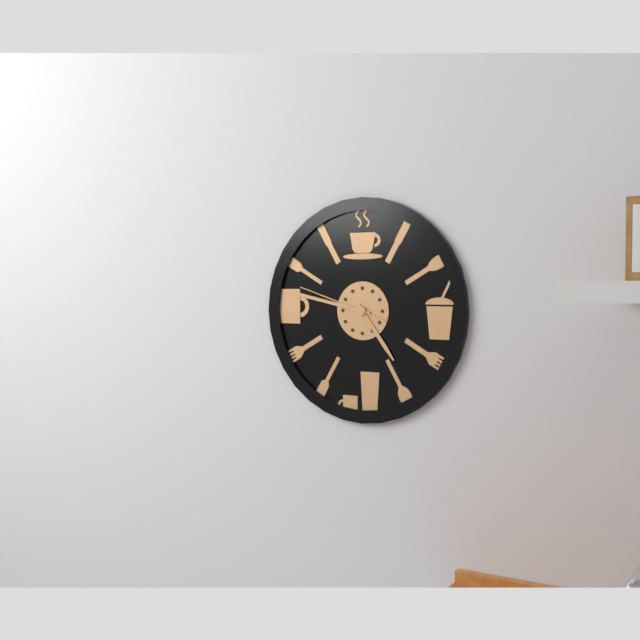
4:47:48
